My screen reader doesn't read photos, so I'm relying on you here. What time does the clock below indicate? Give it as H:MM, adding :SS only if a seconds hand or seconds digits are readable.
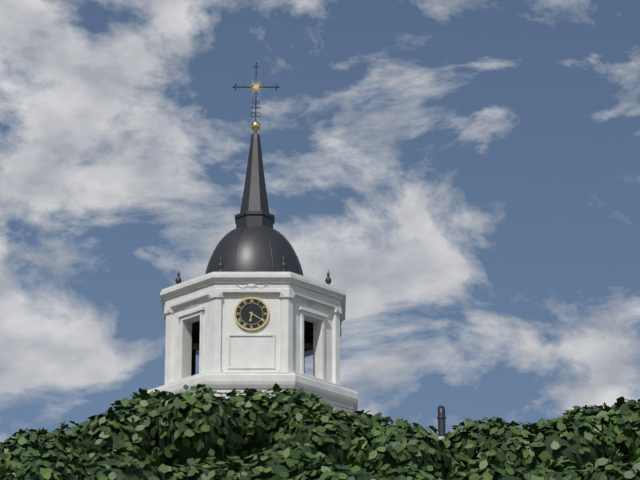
6:20
